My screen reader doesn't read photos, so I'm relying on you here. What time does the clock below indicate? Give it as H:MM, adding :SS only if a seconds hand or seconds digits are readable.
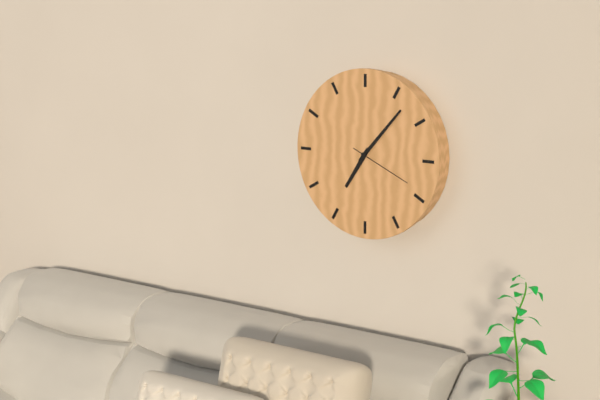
7:07:19
